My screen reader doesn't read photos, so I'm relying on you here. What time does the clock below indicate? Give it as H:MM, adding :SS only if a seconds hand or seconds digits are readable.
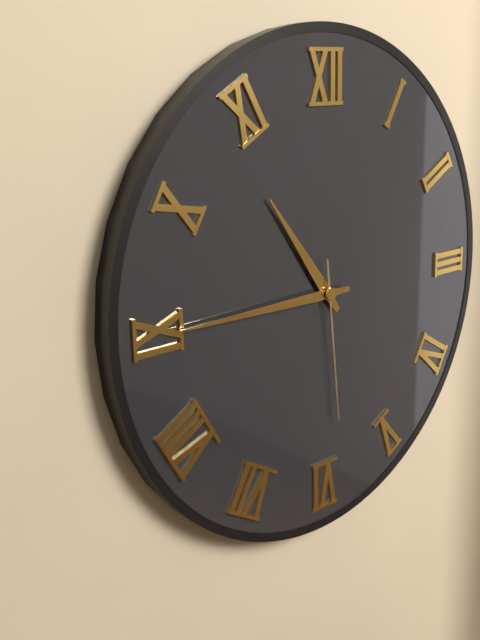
10:45:29
